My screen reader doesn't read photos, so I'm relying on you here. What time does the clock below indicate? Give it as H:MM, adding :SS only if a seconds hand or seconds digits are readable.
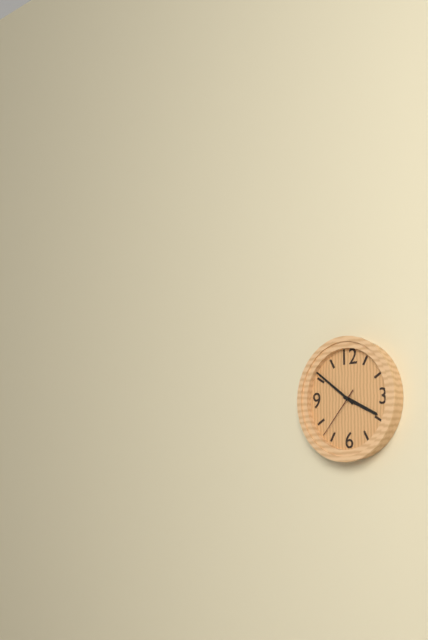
3:51:37
